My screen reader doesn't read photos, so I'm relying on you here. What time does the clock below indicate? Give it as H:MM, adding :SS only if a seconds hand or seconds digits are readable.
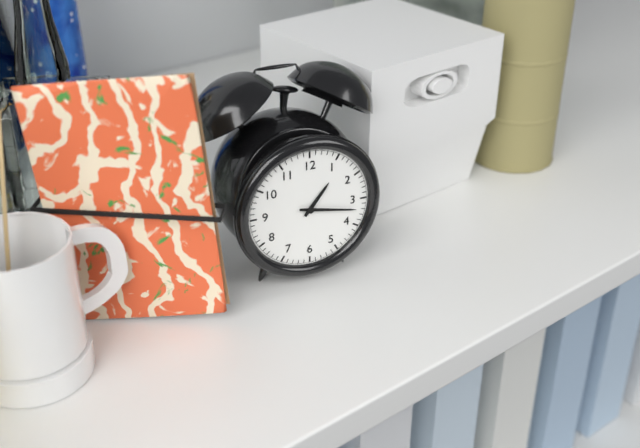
1:17
